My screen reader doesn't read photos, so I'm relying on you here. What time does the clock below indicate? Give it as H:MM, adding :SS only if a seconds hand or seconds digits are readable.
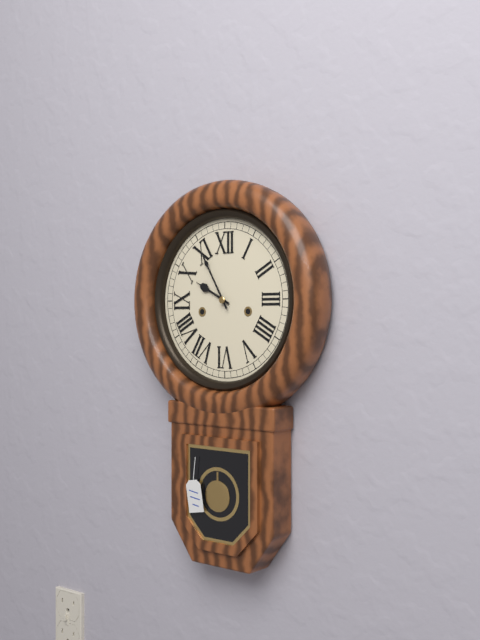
9:55
